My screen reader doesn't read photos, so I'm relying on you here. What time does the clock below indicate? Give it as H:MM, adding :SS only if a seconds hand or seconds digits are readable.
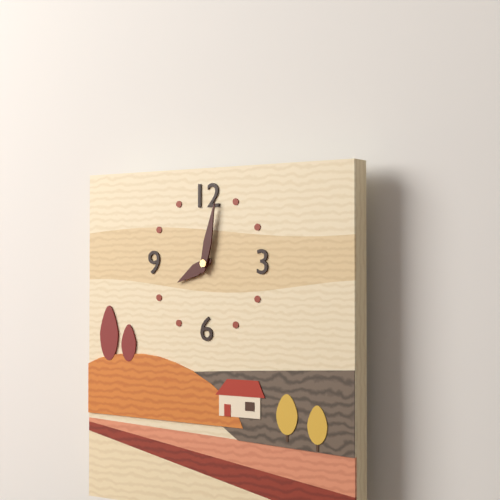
8:02
